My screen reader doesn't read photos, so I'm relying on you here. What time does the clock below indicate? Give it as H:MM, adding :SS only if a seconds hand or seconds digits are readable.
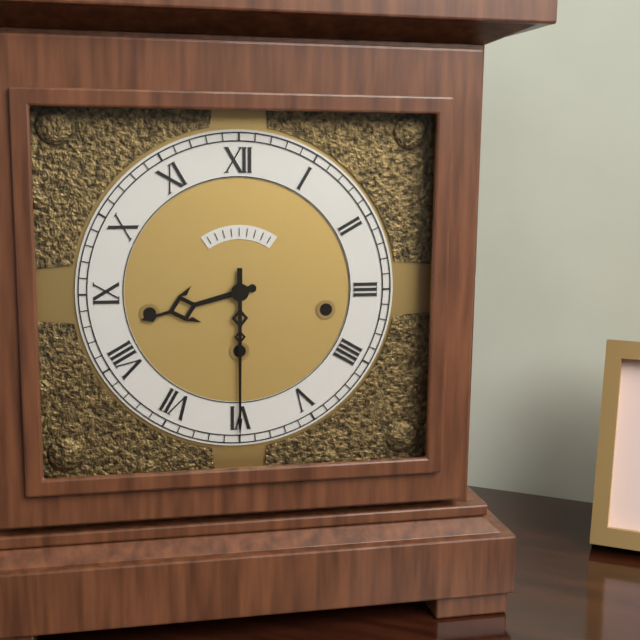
8:30
